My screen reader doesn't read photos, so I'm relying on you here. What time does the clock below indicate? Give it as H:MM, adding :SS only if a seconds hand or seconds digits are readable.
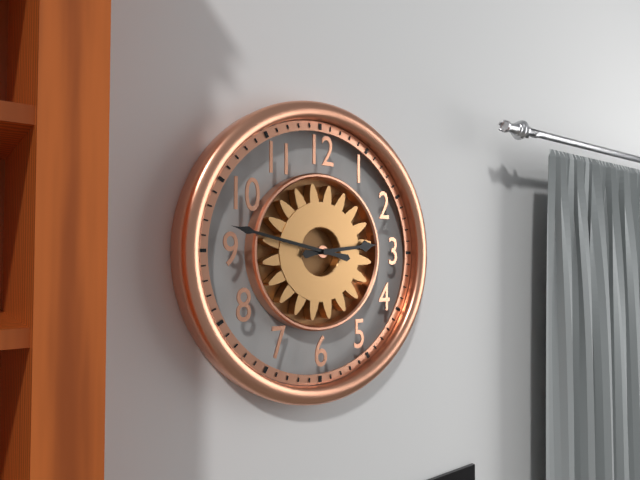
2:47
